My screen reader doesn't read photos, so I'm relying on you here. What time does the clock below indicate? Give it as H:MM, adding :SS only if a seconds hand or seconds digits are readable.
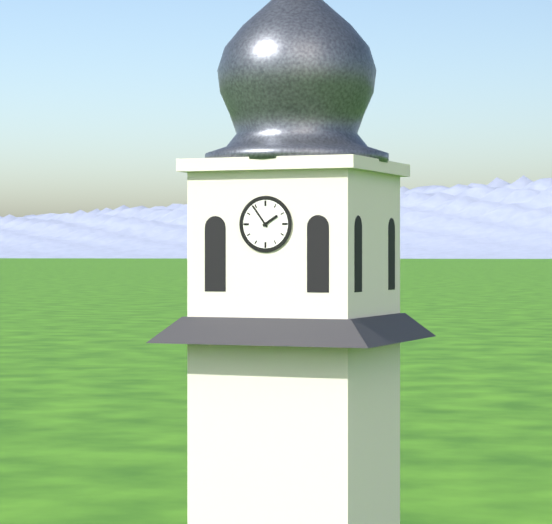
1:54
